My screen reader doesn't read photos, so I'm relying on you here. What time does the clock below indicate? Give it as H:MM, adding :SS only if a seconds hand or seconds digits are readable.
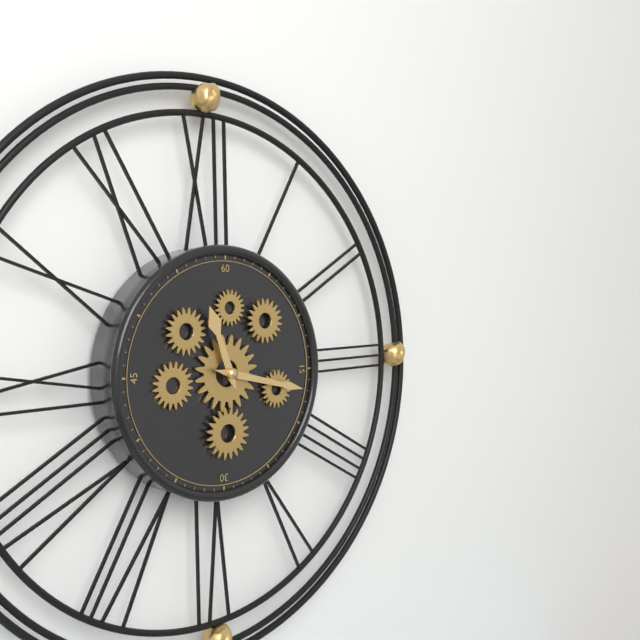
11:17
